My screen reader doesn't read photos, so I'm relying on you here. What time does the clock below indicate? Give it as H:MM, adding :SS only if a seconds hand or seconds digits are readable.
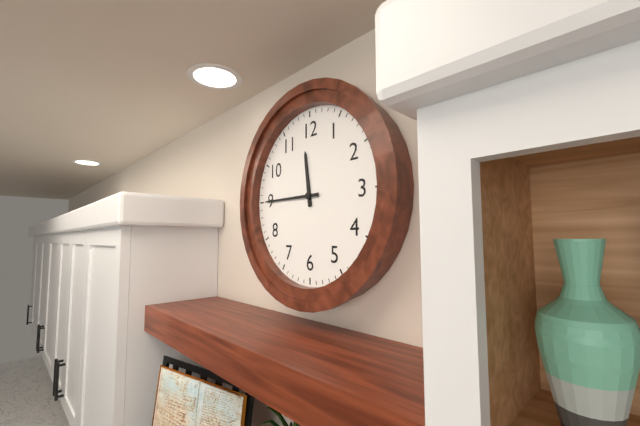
11:45
